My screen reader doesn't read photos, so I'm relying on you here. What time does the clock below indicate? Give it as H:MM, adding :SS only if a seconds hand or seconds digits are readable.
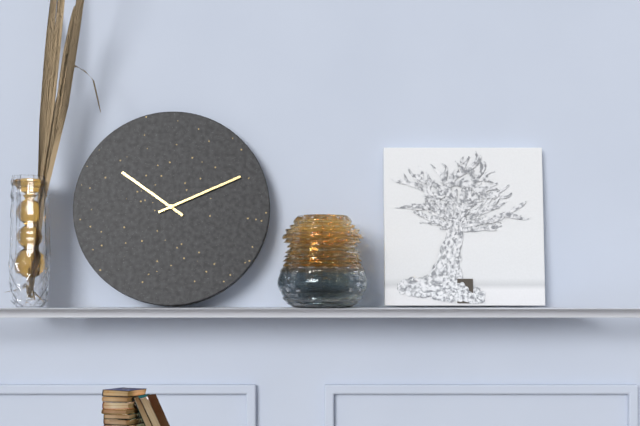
10:11
